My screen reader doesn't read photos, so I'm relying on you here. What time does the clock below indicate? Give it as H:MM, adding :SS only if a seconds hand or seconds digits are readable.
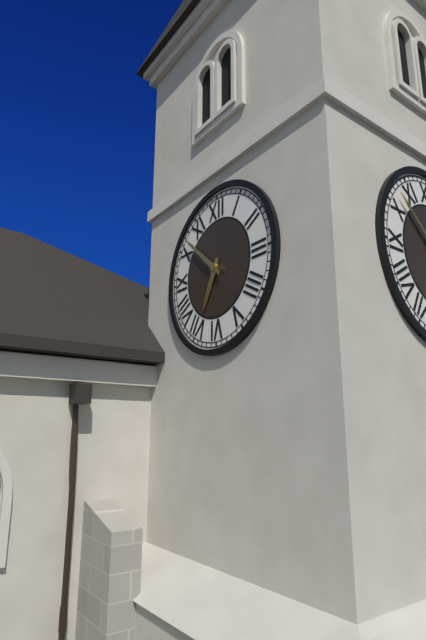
6:52
